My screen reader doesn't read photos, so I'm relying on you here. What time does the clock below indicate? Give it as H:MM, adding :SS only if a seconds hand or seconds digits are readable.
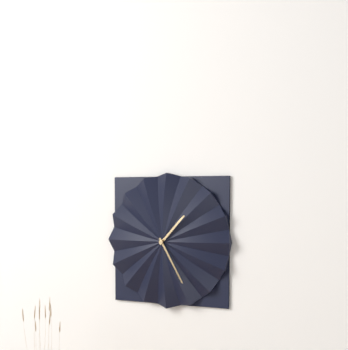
1:25
